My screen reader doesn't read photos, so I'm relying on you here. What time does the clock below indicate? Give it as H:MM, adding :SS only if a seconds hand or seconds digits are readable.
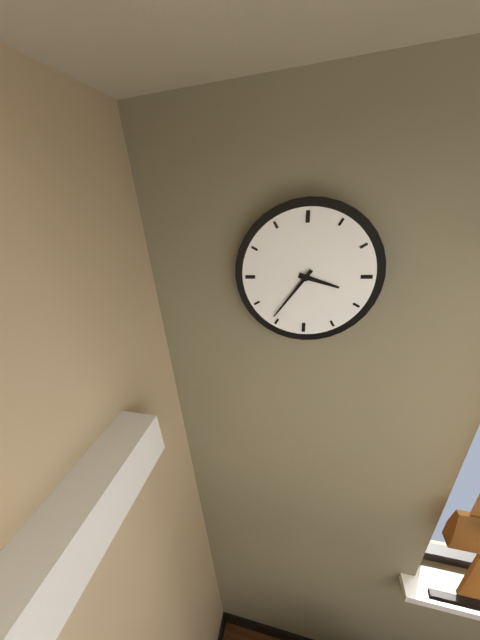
3:36
